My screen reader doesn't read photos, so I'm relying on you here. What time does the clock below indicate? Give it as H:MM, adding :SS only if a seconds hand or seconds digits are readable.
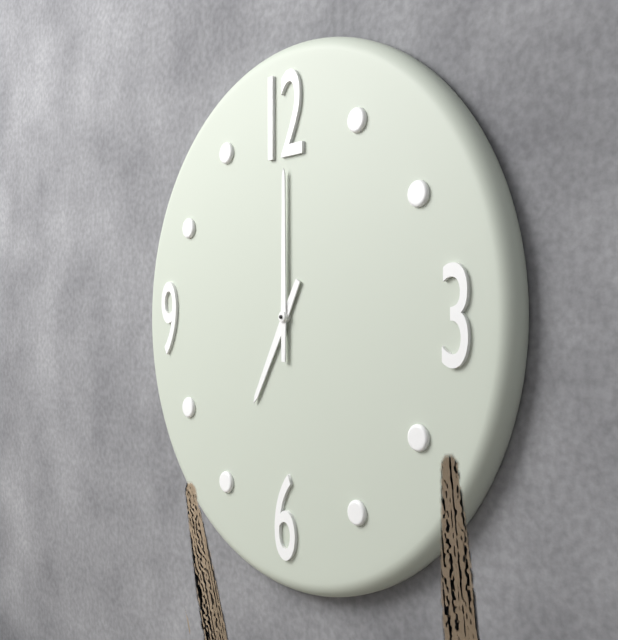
7:00
